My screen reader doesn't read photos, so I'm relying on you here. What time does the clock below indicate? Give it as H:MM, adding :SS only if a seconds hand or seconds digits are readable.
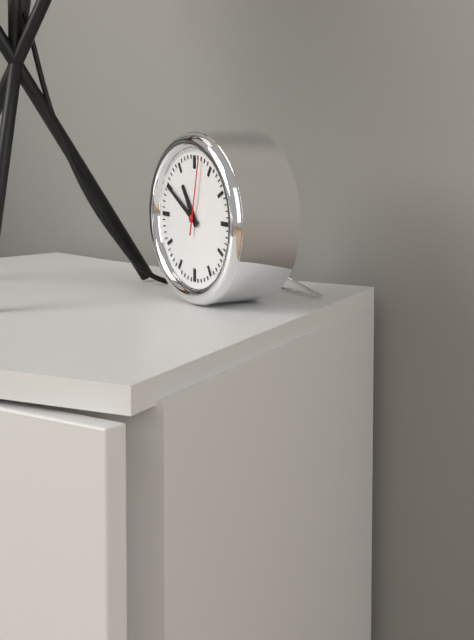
10:50:02
